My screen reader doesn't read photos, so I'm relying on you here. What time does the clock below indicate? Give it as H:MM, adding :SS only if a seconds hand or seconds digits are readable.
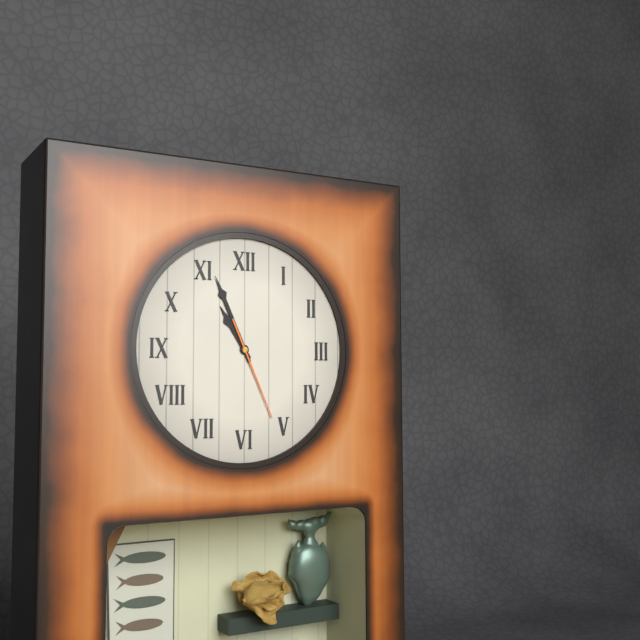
10:56:26
